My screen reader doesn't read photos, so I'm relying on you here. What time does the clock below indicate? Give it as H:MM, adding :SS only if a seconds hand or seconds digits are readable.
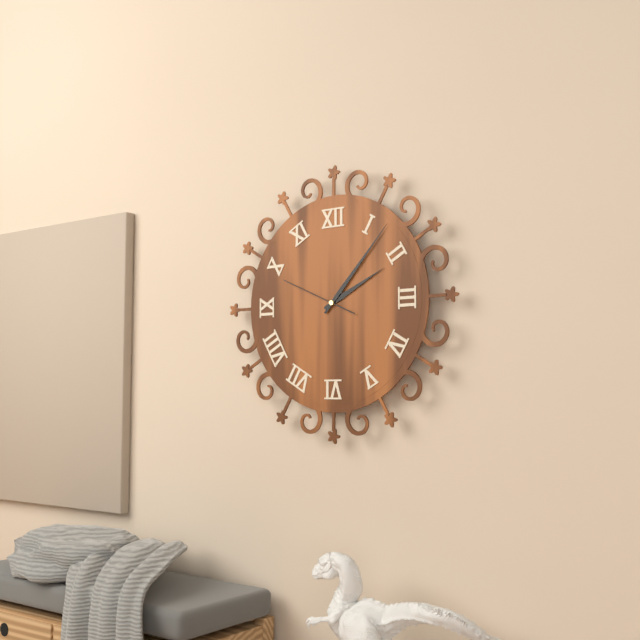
2:07:49
